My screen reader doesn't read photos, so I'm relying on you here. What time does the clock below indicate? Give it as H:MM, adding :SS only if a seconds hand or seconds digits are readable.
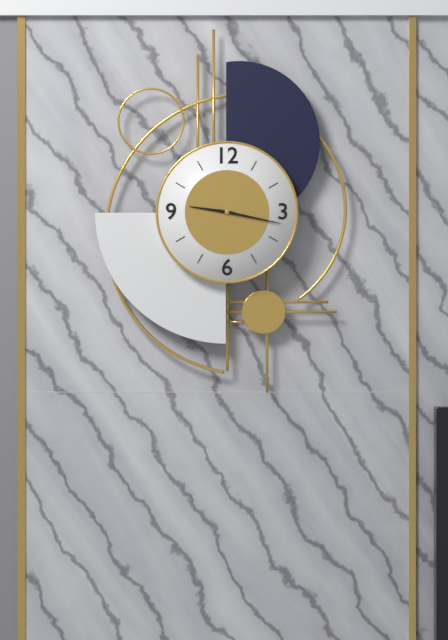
9:17
